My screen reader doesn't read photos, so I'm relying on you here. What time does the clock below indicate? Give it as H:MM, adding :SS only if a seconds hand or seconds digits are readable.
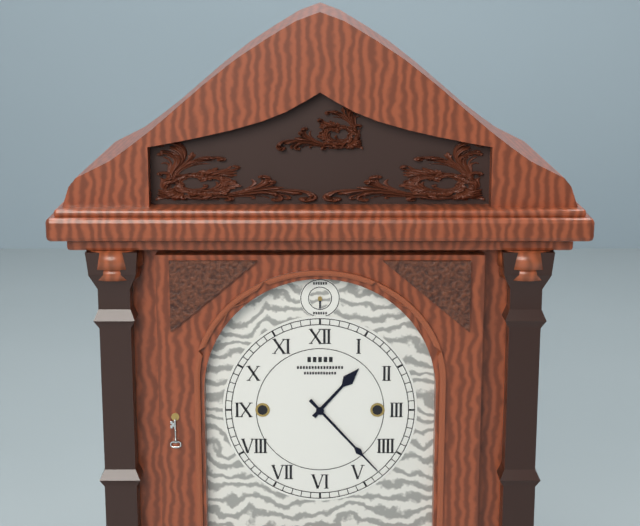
1:23
